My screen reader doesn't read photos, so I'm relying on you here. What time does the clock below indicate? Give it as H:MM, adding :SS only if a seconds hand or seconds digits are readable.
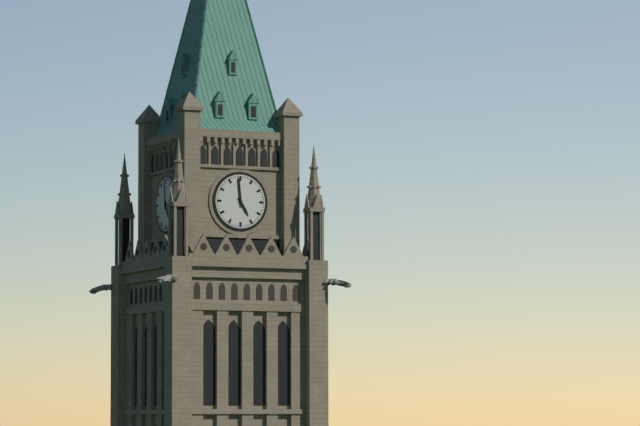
4:59
